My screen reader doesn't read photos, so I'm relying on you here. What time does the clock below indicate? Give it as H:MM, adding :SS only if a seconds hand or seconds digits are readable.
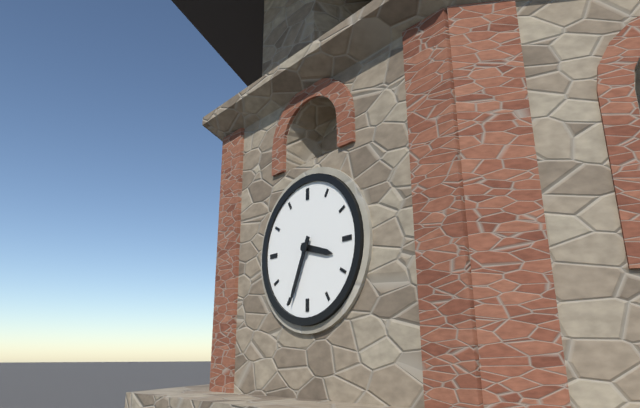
3:34
